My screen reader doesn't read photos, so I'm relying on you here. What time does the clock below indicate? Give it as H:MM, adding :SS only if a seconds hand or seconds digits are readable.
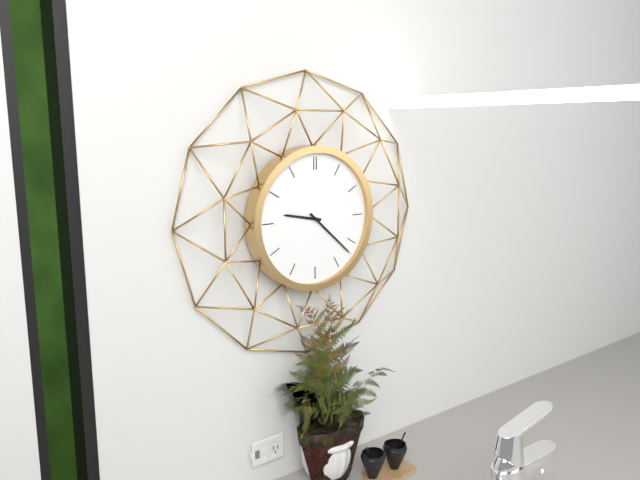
9:22
